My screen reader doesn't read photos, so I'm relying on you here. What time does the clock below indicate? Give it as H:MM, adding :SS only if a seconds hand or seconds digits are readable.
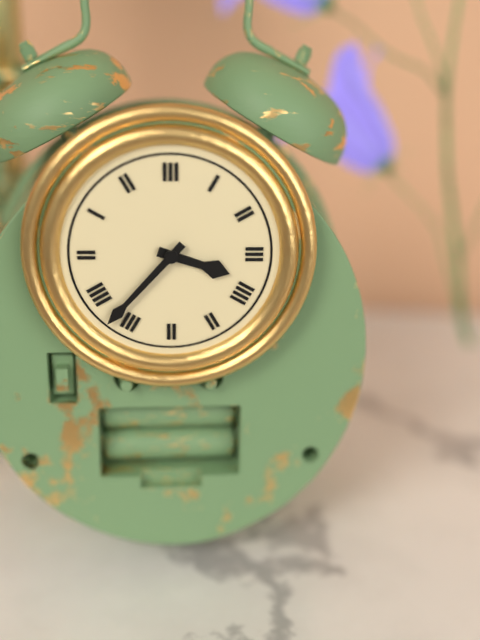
3:37
